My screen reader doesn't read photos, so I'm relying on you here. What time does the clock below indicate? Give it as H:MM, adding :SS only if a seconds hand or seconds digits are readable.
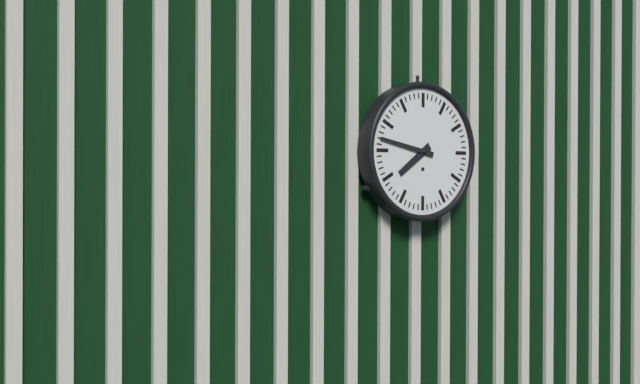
7:47
